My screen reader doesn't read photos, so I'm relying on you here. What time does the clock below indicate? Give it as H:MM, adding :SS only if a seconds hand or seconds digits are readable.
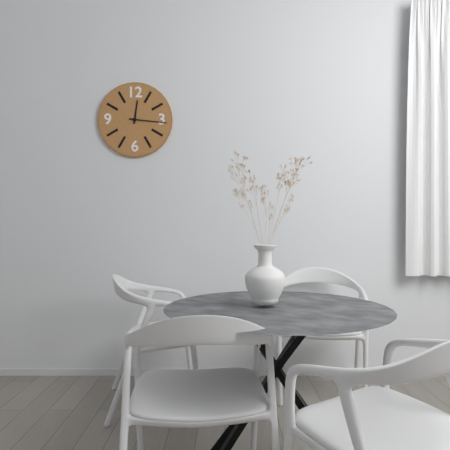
12:16
